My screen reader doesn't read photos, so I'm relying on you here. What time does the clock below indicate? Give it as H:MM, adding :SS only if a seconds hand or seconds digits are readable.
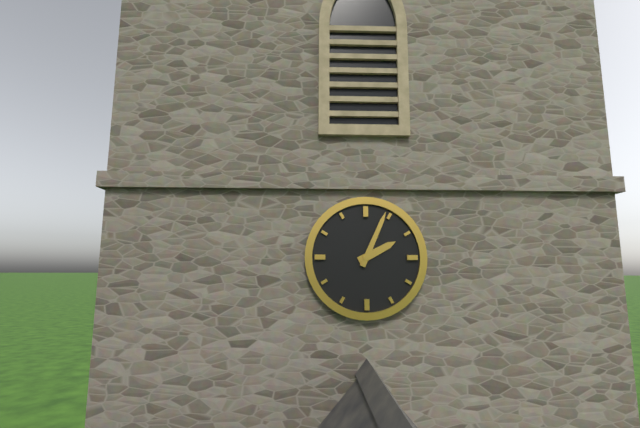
2:04
